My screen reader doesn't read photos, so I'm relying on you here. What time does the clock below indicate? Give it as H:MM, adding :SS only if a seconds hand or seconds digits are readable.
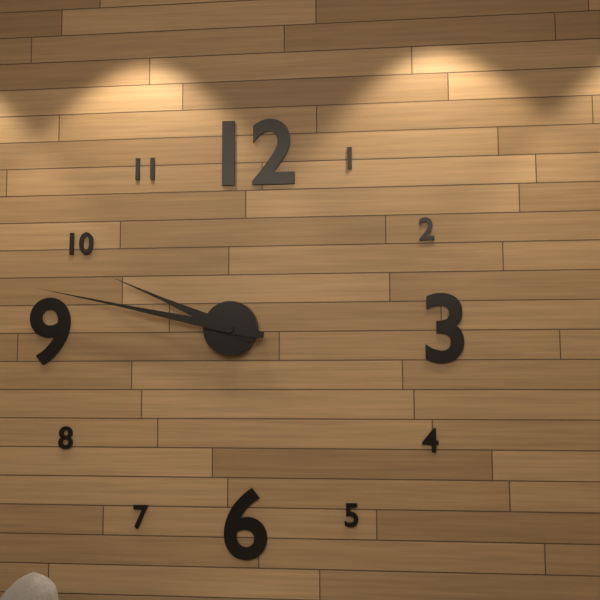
9:47
